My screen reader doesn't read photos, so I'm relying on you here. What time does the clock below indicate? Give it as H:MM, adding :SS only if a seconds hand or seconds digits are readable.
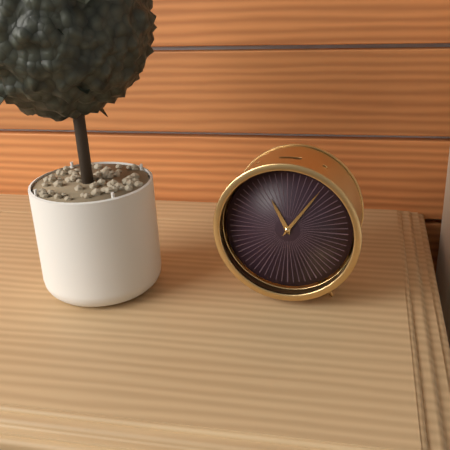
11:06
